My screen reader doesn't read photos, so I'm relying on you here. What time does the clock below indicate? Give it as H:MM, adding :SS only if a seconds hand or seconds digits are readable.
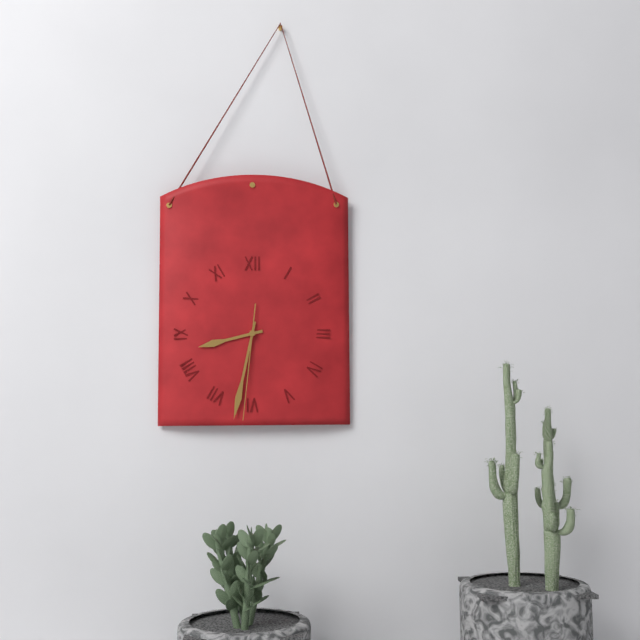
8:32:31
